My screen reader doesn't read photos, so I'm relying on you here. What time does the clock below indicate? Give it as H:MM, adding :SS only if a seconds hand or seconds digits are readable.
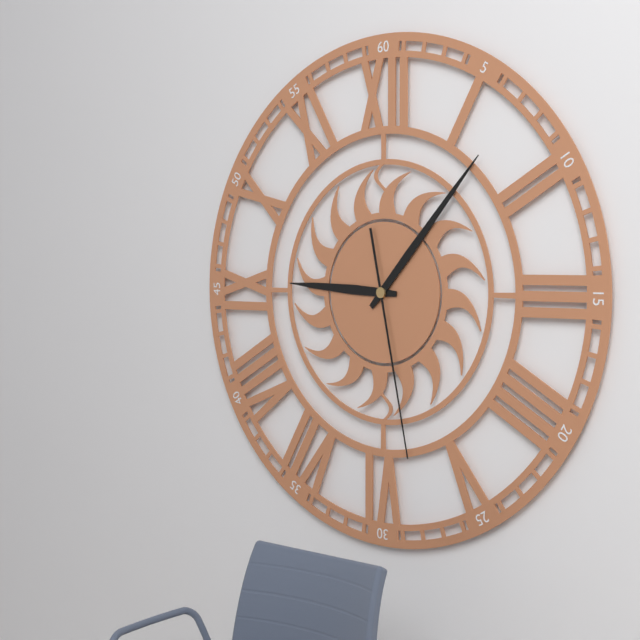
9:07:28
